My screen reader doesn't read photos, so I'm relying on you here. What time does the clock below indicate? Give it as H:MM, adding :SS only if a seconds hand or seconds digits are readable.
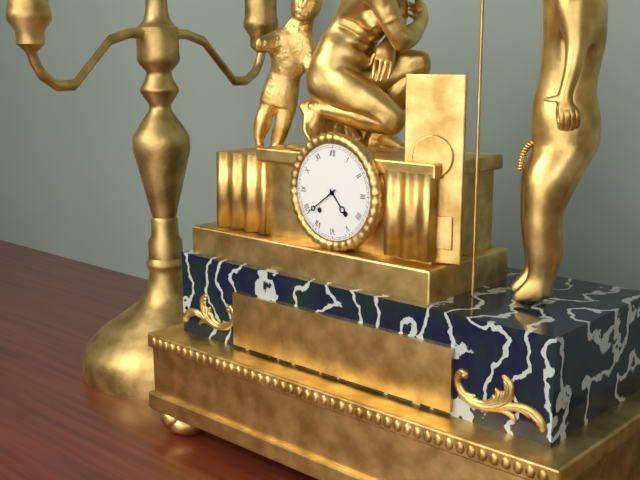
4:39
